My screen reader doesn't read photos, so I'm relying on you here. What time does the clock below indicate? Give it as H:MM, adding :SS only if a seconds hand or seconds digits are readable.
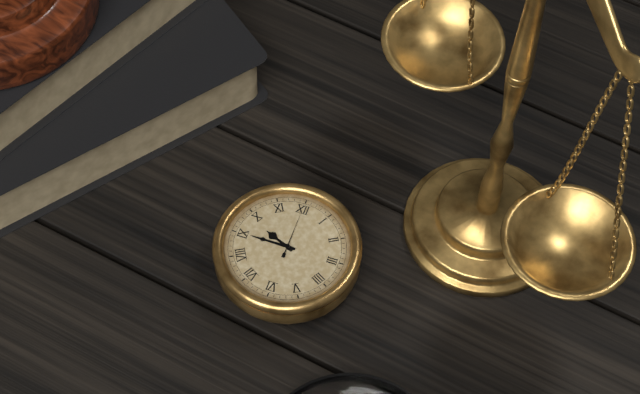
9:45
